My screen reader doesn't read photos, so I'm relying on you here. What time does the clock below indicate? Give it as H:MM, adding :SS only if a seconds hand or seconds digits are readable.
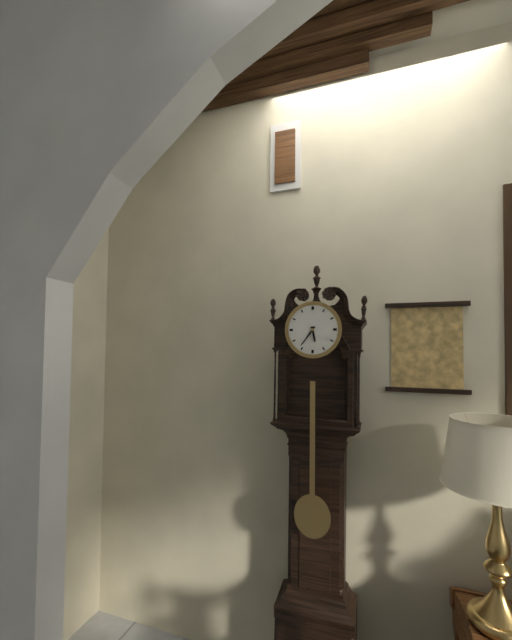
5:36
